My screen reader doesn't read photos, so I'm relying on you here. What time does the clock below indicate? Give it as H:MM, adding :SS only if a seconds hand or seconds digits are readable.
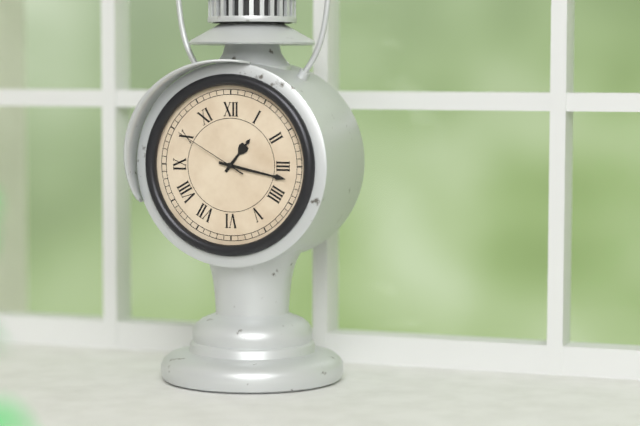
1:17:50
